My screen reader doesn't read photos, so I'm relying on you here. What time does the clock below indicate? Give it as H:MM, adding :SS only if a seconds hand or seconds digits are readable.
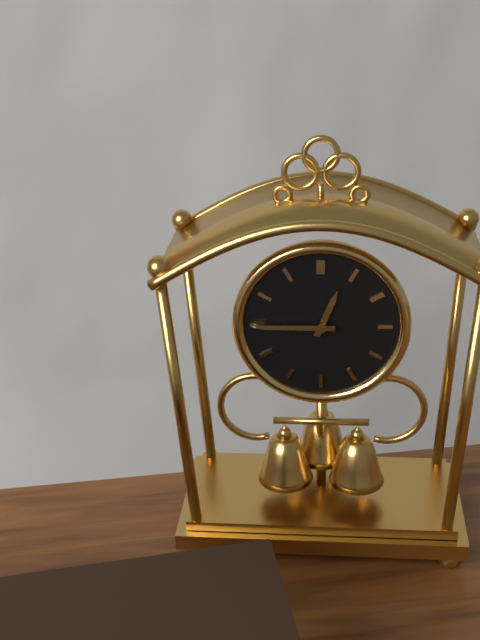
12:45
